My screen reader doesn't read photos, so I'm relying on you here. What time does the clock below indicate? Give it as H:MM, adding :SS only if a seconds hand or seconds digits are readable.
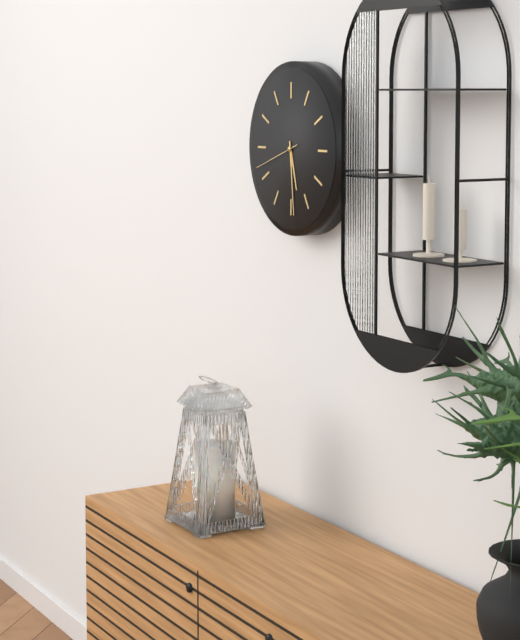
5:29
